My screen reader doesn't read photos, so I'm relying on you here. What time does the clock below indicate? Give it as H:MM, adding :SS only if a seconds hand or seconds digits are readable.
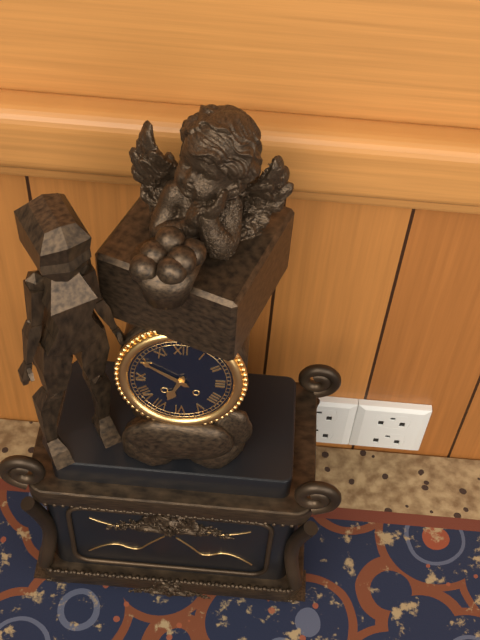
6:50
